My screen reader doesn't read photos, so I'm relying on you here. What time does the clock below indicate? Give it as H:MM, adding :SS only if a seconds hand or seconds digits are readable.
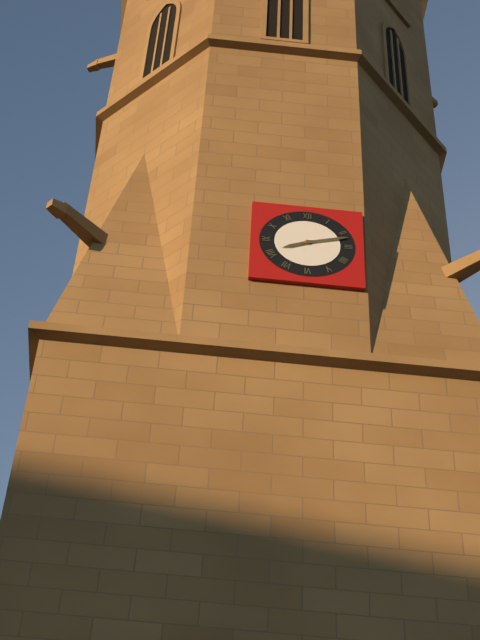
8:12
